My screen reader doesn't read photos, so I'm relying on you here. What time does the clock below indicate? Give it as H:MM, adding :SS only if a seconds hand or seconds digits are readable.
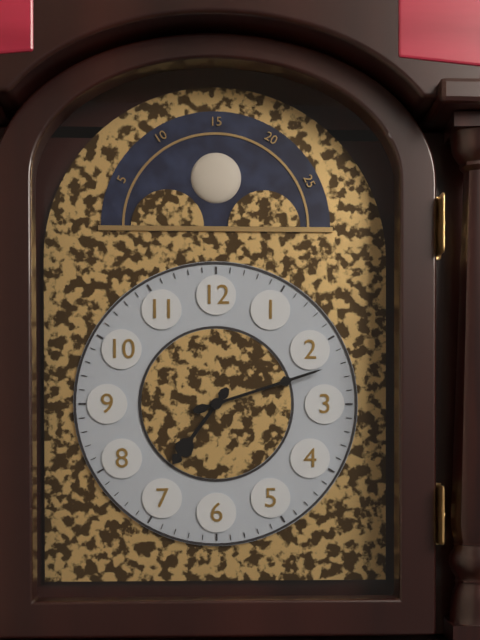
7:12
